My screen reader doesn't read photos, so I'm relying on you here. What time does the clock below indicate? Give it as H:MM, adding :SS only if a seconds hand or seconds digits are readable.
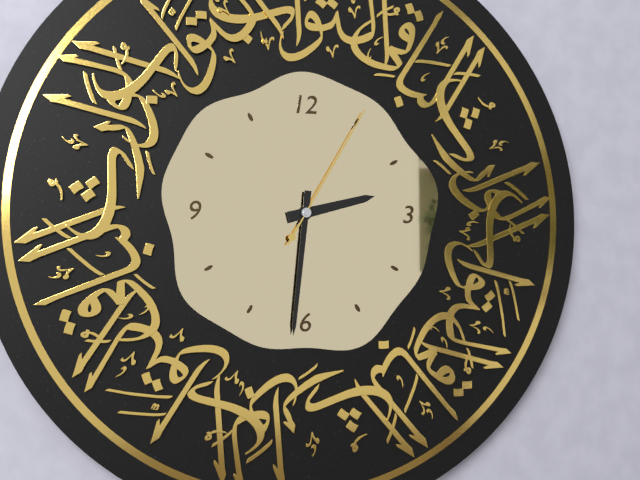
2:31:05
